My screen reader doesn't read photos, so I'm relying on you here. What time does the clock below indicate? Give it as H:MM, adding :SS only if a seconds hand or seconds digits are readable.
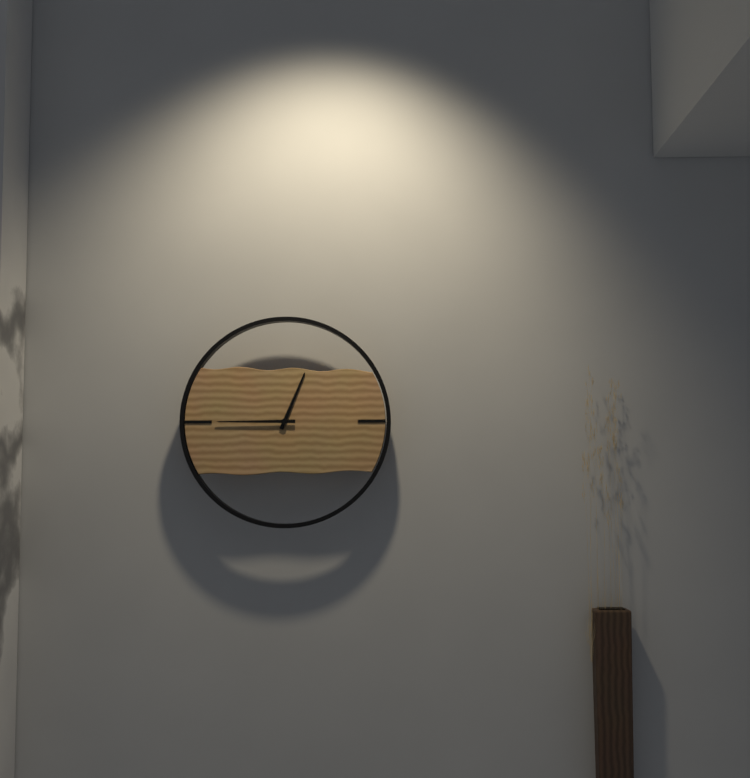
12:45
